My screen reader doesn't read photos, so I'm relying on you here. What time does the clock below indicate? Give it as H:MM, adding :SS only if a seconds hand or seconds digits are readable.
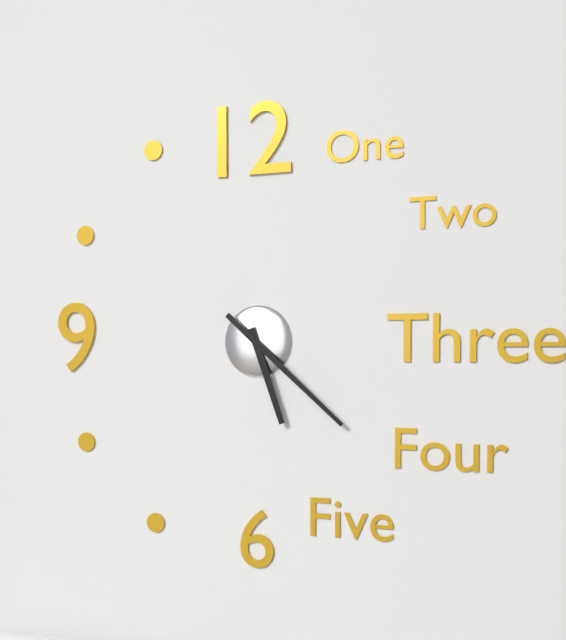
5:22
